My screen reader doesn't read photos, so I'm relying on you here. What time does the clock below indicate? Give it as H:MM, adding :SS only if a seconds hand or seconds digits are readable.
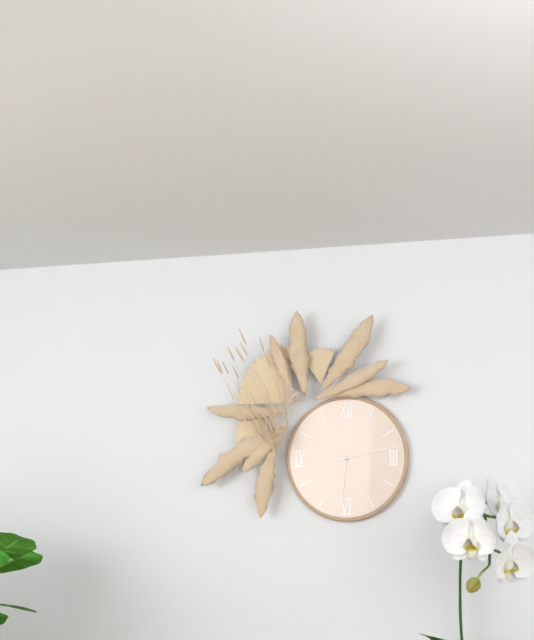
6:13
